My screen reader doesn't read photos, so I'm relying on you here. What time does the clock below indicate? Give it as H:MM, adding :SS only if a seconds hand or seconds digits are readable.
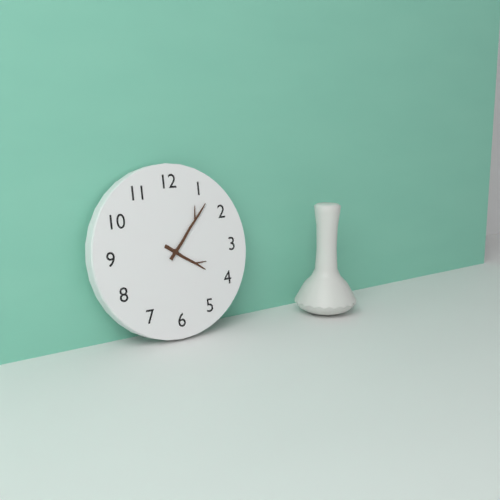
4:07
